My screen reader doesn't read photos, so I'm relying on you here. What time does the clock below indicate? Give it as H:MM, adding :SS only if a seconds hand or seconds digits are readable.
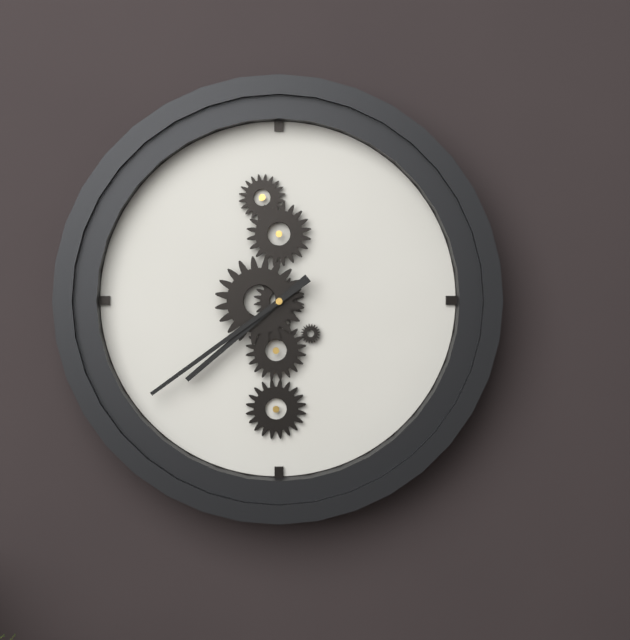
7:39
